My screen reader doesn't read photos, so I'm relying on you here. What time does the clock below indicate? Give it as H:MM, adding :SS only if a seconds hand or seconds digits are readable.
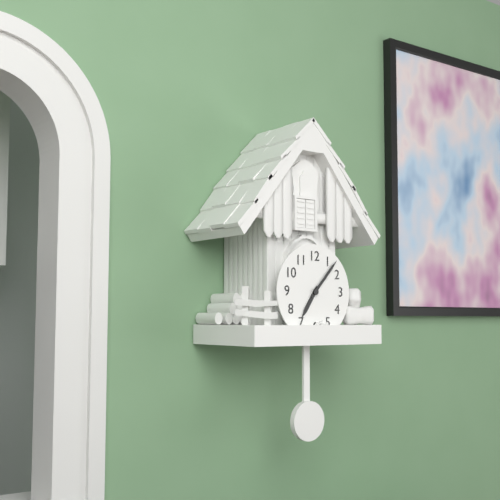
7:07
